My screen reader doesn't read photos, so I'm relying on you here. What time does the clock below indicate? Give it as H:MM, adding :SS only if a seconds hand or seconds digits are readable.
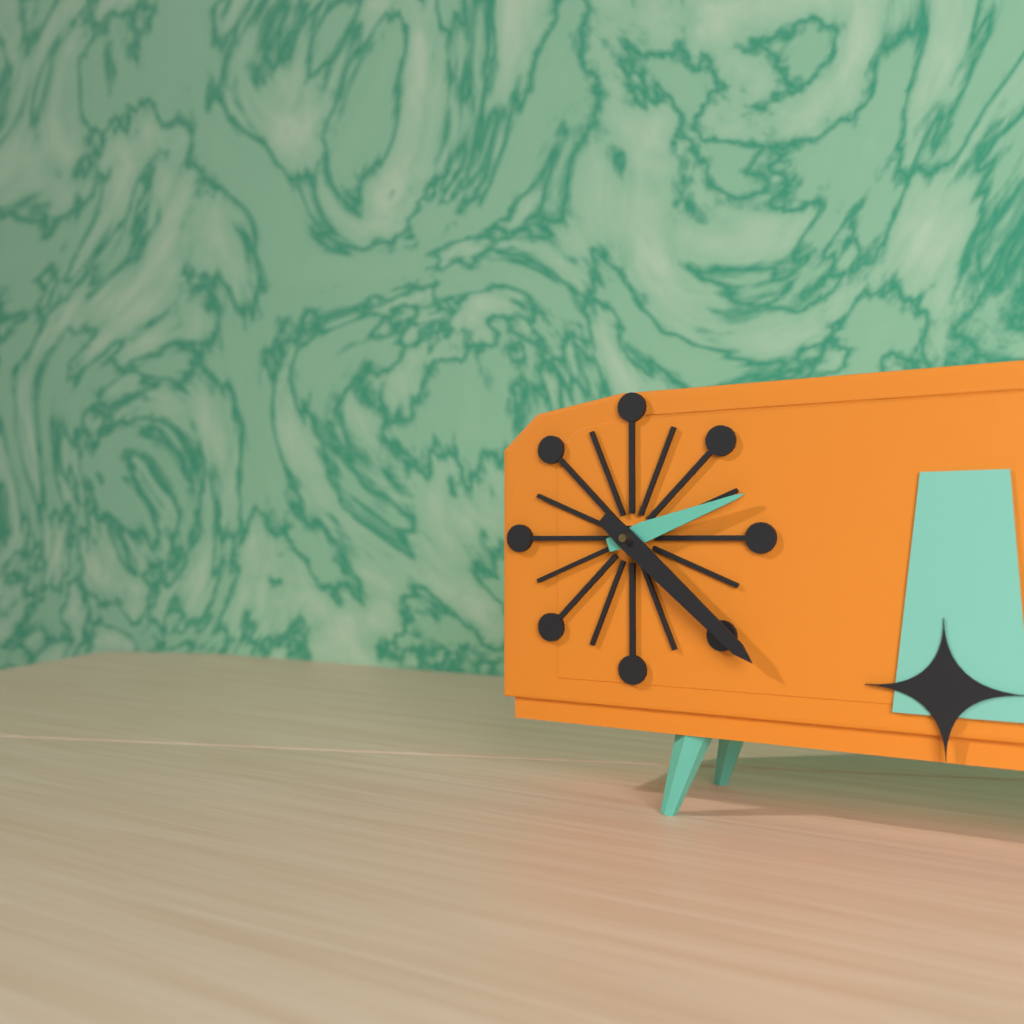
2:22
